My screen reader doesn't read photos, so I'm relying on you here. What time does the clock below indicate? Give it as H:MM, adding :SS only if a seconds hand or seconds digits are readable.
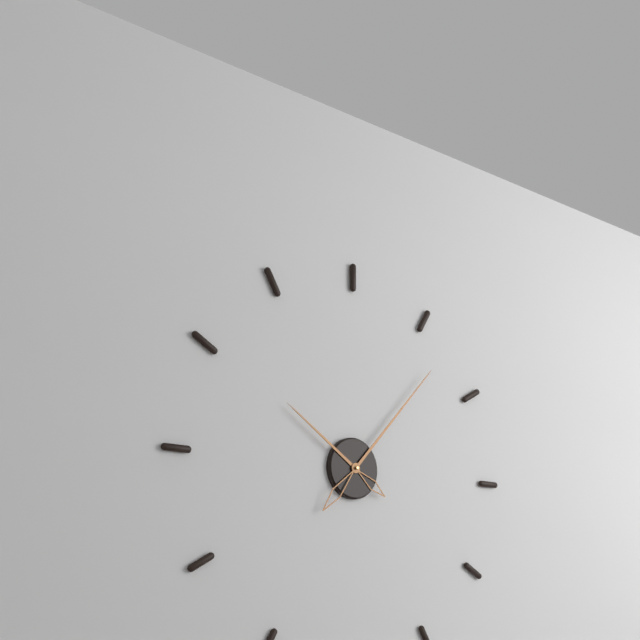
10:07
